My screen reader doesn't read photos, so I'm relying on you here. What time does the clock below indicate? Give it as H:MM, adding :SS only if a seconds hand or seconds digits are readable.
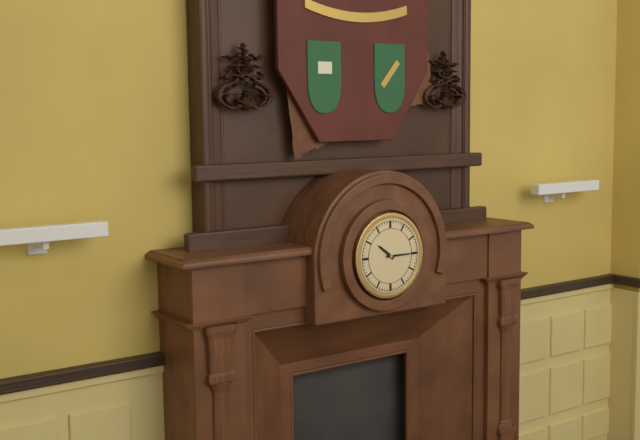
10:15
